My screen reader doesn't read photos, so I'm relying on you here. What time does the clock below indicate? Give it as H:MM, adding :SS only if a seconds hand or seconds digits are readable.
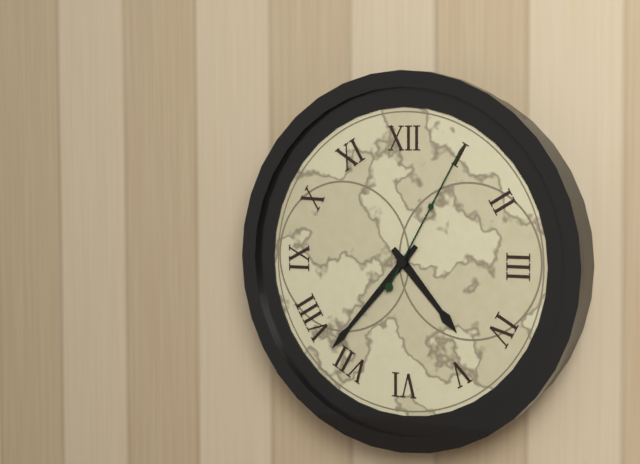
4:37:05
